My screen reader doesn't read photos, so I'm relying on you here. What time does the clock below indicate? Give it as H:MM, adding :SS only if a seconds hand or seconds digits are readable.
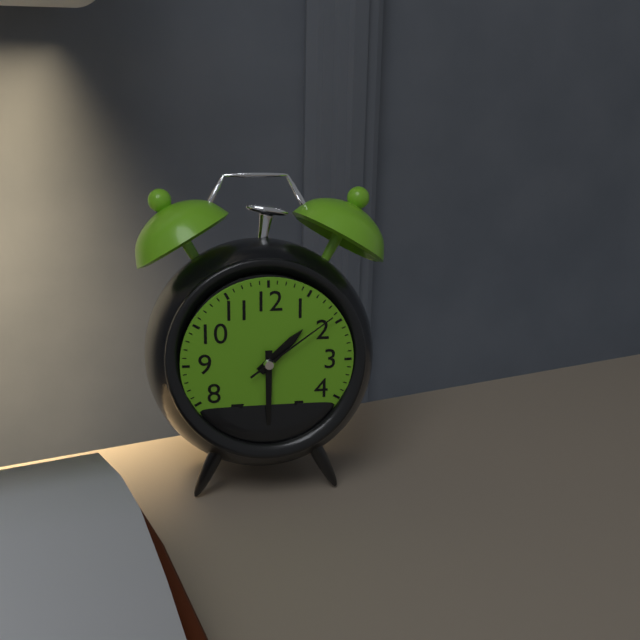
1:30:09
